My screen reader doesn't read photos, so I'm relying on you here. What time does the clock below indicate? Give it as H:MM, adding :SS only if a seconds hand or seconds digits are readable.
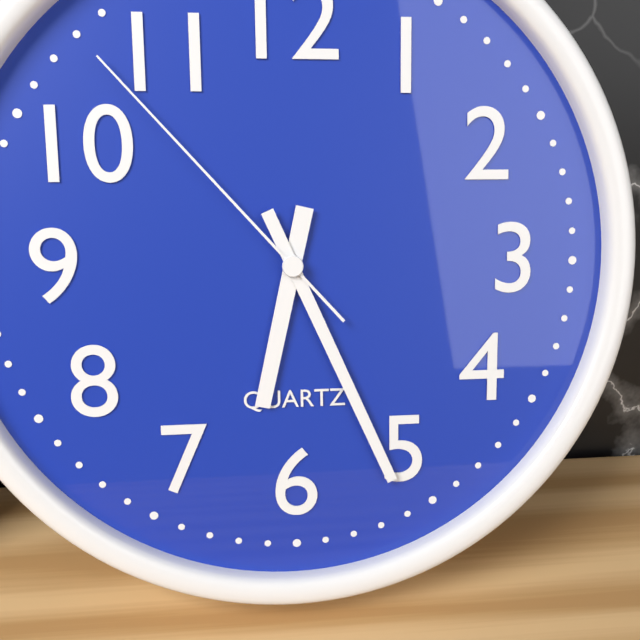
6:26:53
